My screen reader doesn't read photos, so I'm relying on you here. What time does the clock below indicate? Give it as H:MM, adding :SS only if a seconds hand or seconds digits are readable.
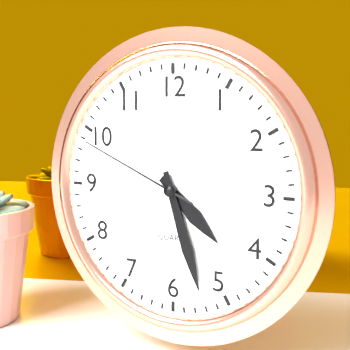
4:27:49
